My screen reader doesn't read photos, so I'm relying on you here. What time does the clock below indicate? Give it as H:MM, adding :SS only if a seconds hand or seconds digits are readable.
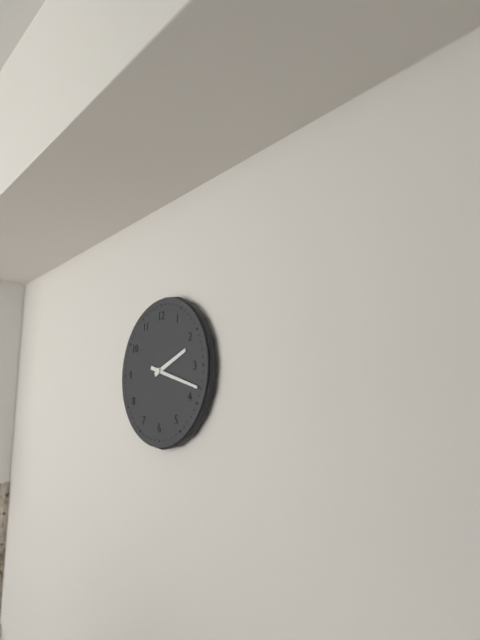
2:18
